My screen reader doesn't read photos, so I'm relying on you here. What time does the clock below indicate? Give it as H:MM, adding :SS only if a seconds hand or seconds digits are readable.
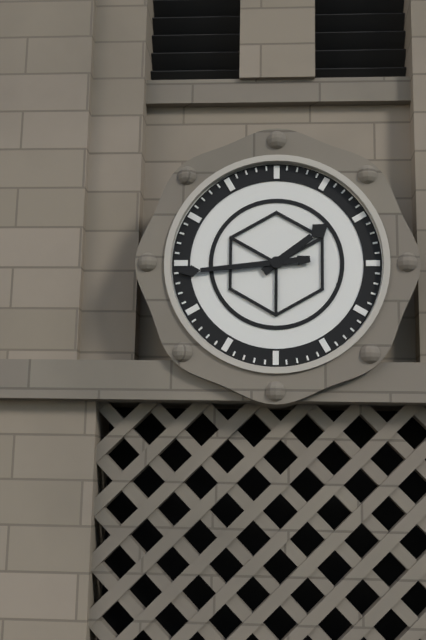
1:44
